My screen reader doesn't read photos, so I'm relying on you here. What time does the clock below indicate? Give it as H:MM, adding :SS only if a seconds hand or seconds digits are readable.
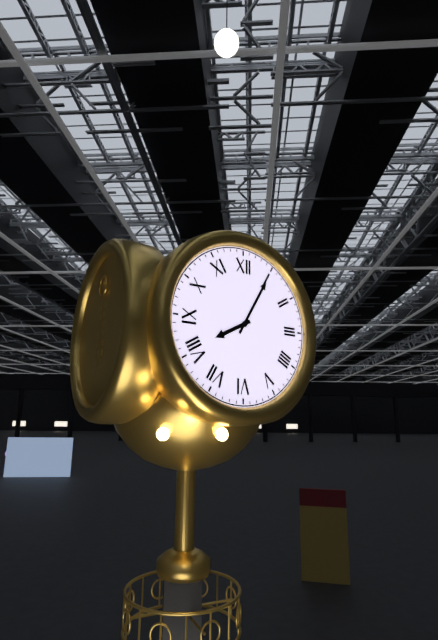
8:05
